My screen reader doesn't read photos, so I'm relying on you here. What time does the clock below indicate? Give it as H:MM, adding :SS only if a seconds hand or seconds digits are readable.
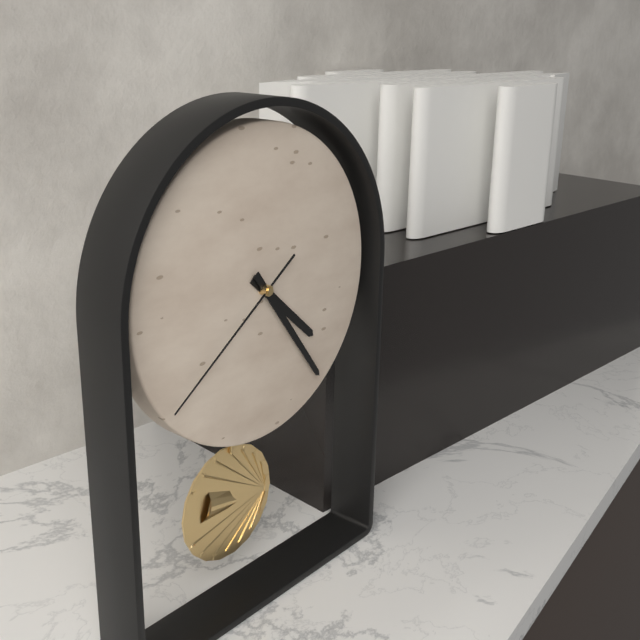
4:24:39
